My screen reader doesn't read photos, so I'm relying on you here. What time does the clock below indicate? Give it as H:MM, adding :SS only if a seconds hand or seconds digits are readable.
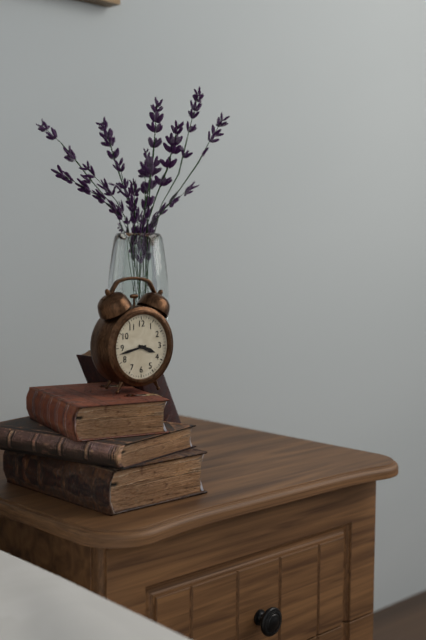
3:43
